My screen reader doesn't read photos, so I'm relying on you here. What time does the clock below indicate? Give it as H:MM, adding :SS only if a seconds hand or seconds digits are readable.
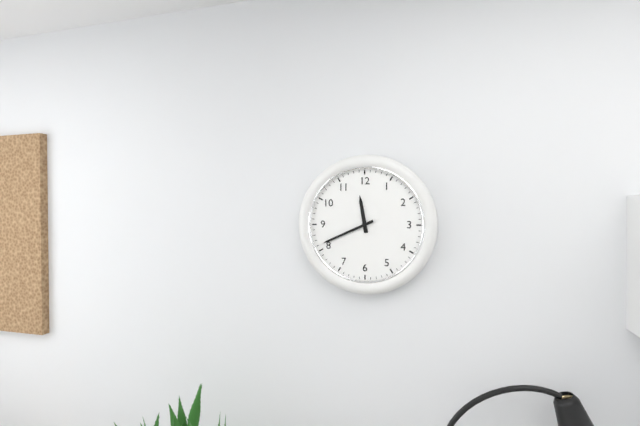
11:41
